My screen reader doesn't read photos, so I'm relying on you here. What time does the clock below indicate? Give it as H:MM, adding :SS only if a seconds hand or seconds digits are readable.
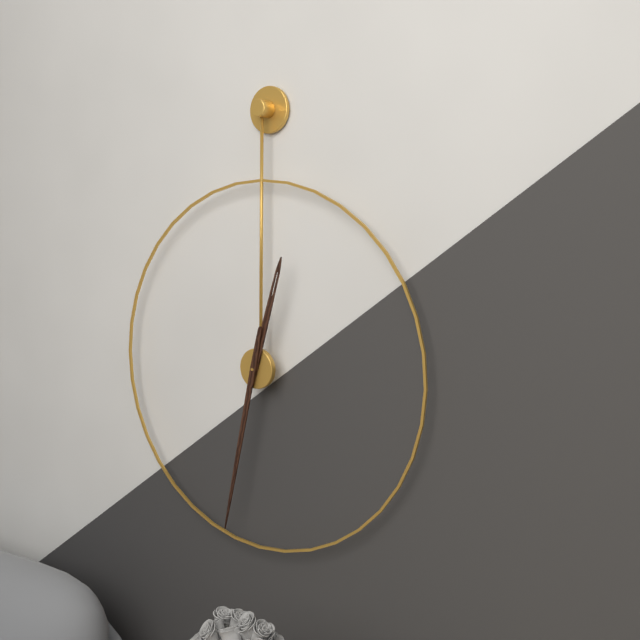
12:32
